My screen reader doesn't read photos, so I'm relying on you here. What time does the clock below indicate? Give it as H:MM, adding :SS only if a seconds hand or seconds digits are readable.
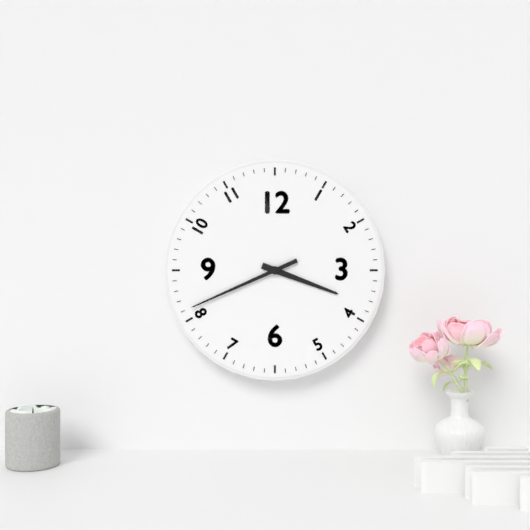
3:41
